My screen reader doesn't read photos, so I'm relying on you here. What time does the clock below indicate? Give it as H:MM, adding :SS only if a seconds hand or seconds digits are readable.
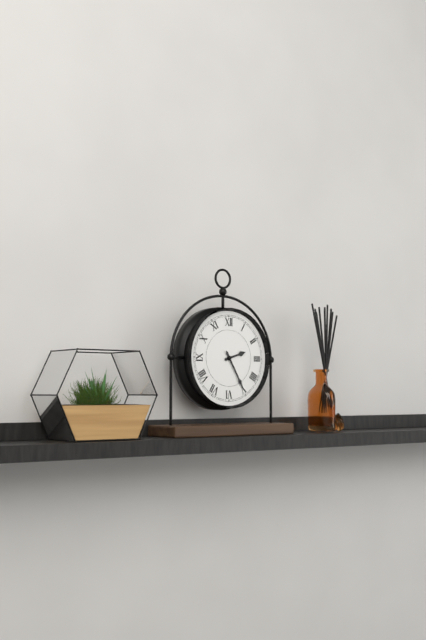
2:25
